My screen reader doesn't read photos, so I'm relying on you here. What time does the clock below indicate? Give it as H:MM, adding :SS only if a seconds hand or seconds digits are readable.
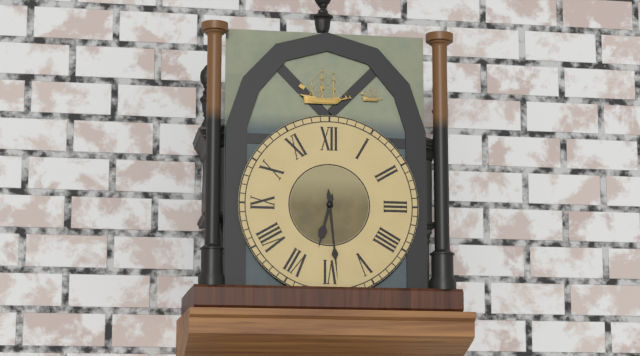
6:29
